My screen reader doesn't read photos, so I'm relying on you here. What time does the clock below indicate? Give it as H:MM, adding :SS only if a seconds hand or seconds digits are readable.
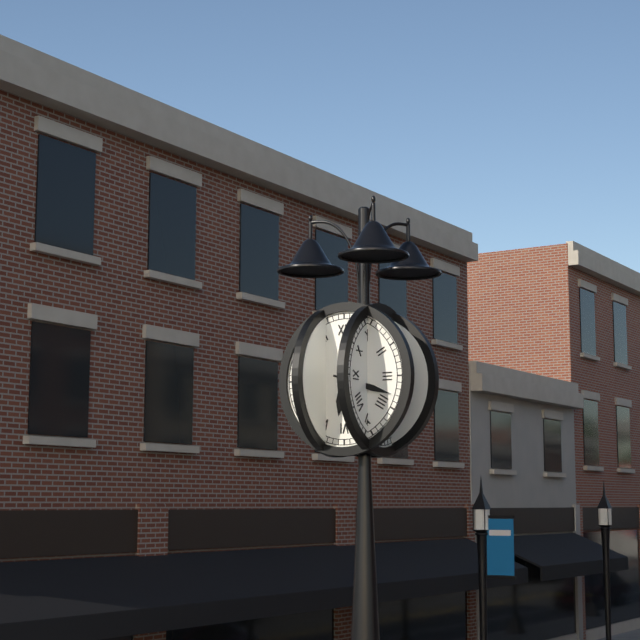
6:18
